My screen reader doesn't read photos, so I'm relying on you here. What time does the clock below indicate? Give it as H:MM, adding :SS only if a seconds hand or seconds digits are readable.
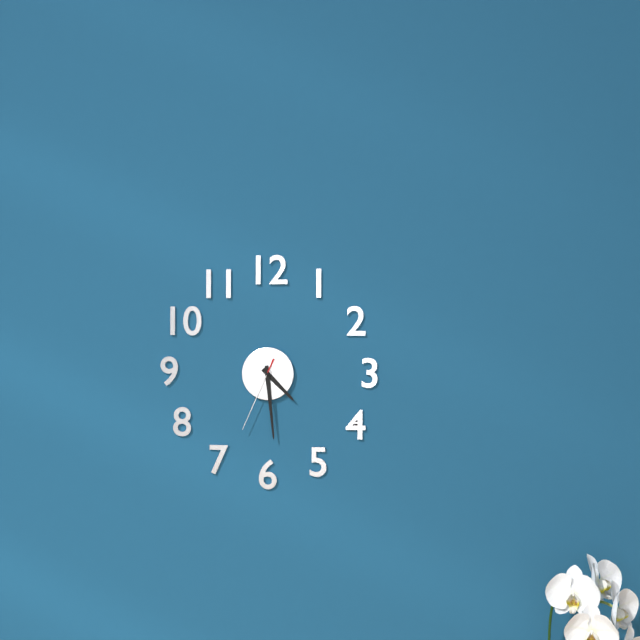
4:29:34
